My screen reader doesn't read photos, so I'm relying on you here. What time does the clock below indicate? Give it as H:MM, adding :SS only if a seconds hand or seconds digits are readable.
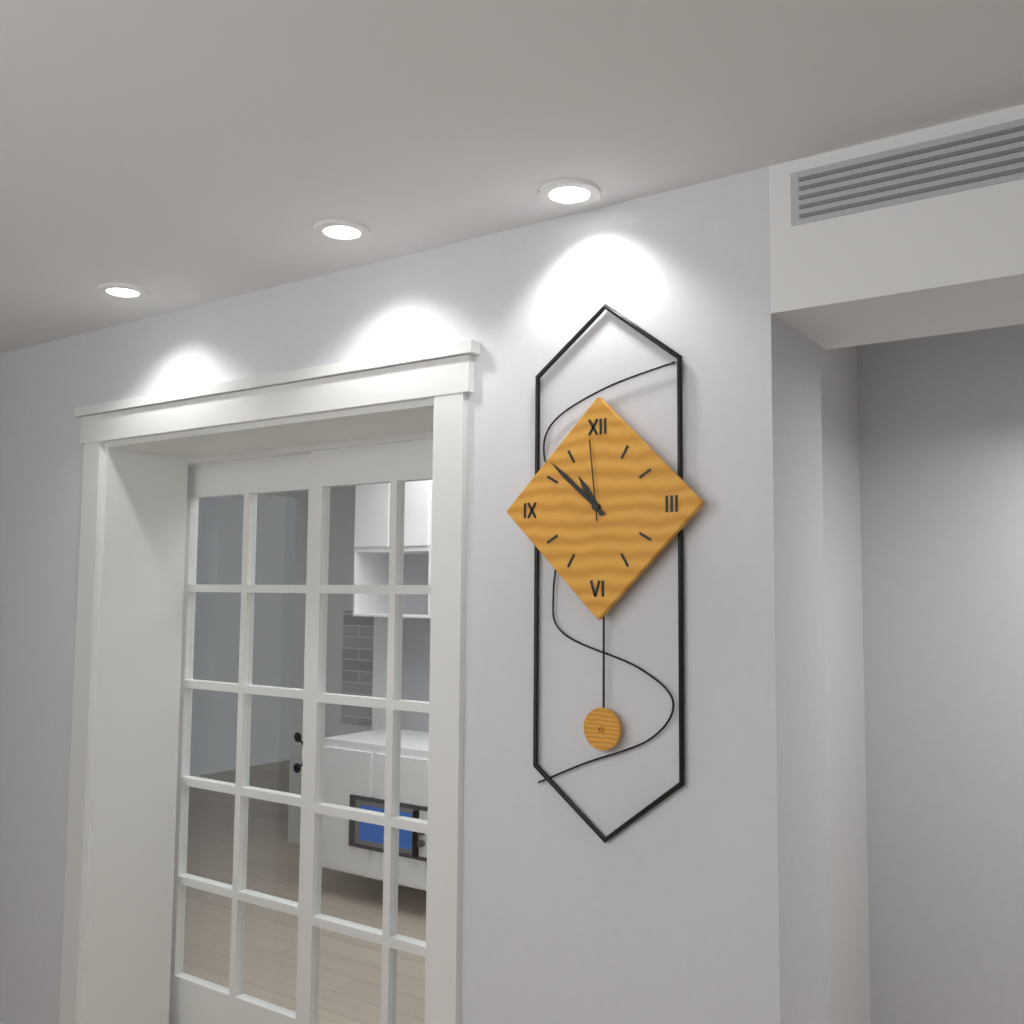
10:52:59
